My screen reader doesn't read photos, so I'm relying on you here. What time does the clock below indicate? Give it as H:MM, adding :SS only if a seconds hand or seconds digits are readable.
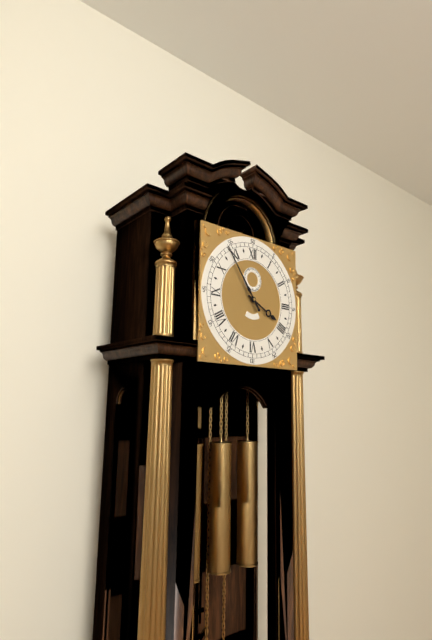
3:54
